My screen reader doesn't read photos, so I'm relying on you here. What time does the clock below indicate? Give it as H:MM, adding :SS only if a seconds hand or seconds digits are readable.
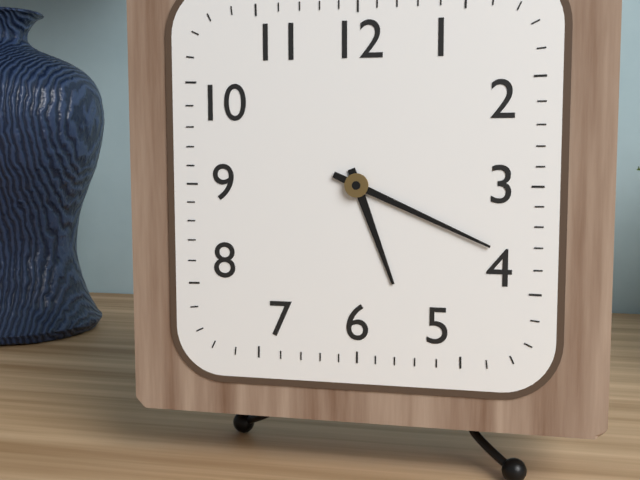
5:19
